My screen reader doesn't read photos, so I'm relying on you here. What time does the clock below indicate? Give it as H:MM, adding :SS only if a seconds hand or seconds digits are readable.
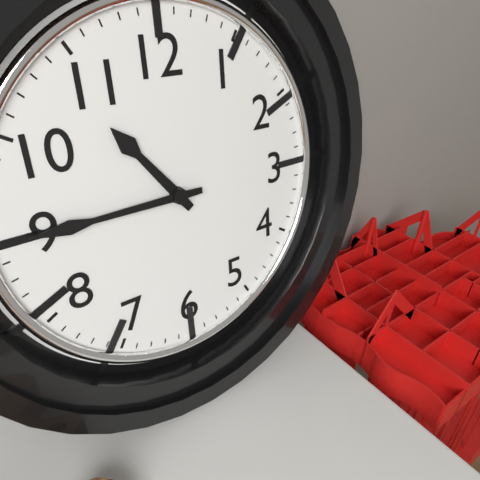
10:45
